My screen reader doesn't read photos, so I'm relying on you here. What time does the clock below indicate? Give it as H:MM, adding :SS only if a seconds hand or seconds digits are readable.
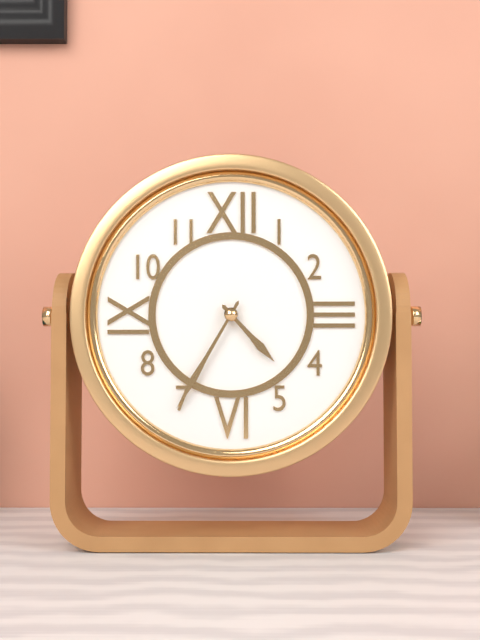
4:35
